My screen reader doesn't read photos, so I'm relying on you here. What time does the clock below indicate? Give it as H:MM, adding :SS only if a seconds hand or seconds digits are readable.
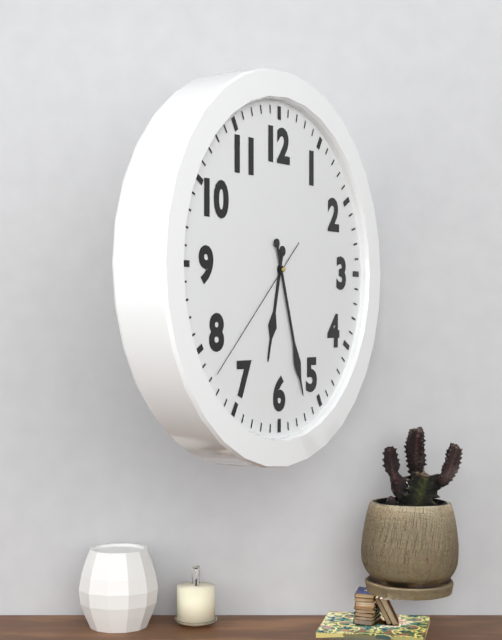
6:27:38
